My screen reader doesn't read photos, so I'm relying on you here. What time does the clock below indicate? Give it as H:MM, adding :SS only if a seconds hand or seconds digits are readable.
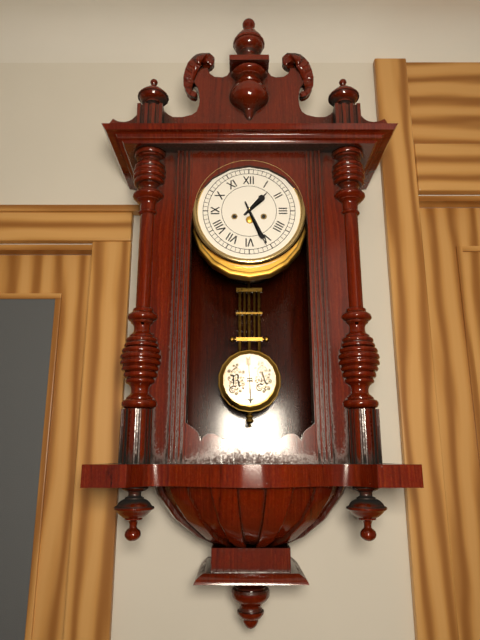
1:26
